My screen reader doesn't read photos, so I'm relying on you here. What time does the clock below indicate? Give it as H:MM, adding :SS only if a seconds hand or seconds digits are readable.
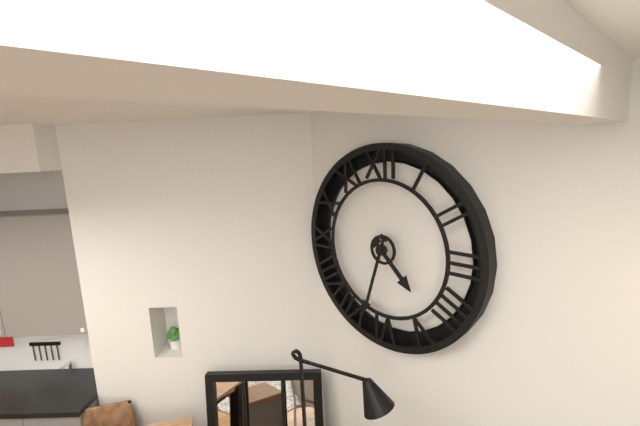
4:33
